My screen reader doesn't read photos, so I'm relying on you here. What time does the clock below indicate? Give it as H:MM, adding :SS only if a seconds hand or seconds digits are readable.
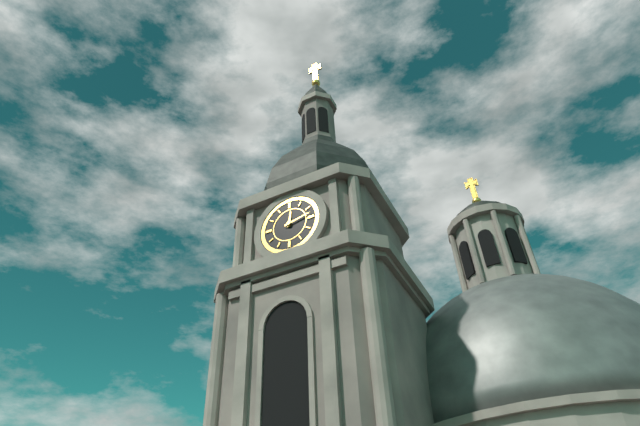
12:13
